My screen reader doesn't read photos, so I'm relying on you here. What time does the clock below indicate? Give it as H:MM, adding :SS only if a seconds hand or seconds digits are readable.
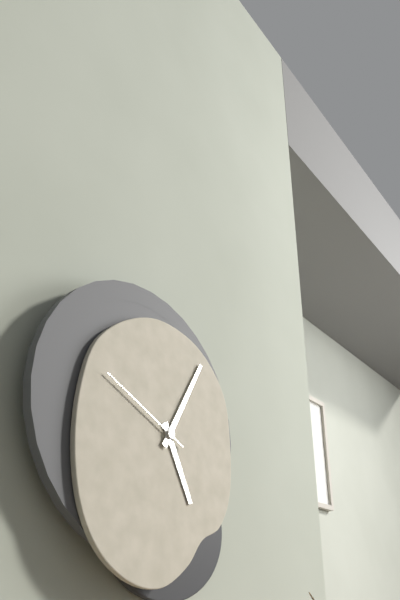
5:05:49
